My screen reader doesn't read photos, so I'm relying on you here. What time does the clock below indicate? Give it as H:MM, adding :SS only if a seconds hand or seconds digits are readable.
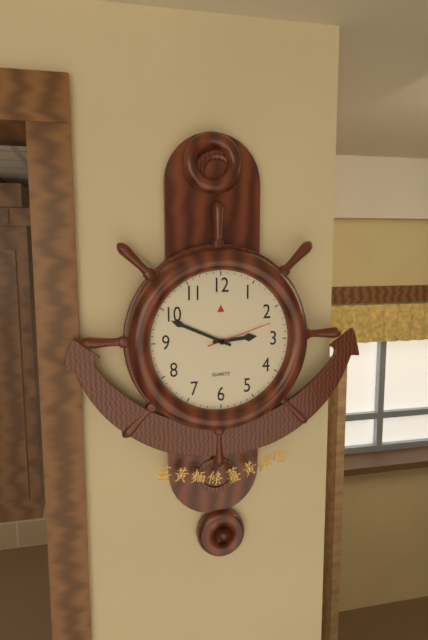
2:49:12
